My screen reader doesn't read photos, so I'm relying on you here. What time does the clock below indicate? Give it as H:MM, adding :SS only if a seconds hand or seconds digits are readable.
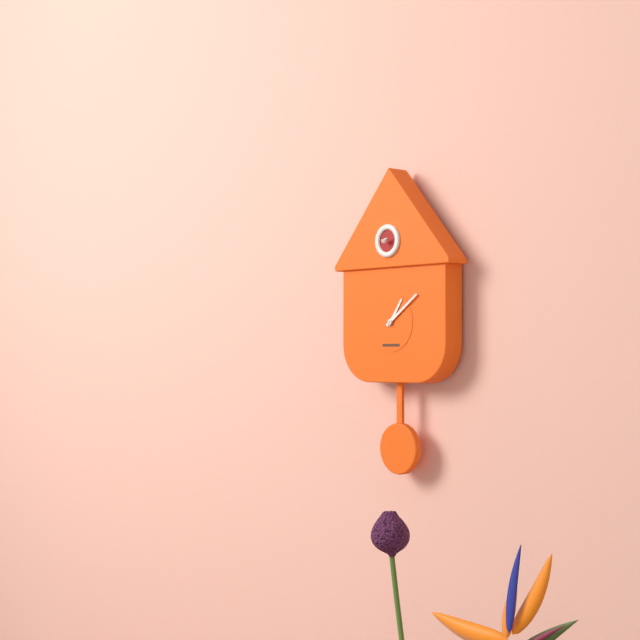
1:09
